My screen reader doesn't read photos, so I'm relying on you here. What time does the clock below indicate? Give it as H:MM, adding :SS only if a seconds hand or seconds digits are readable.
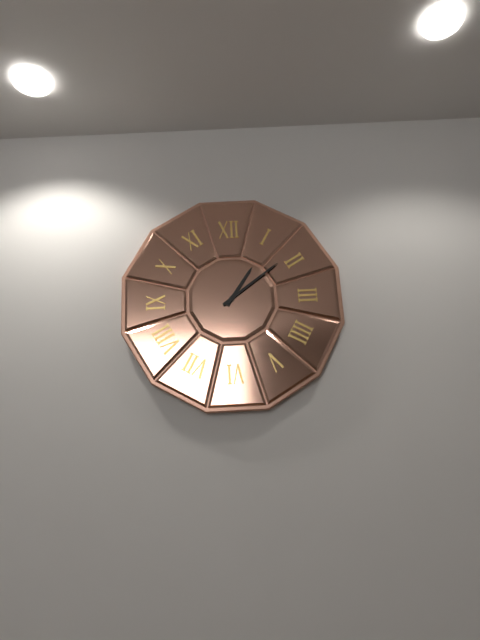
1:09
